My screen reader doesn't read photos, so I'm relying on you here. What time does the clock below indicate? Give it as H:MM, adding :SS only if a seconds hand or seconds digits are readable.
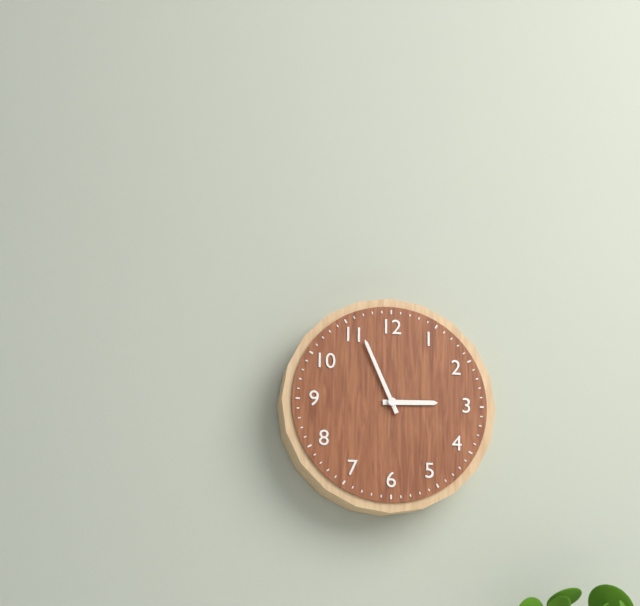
2:56
